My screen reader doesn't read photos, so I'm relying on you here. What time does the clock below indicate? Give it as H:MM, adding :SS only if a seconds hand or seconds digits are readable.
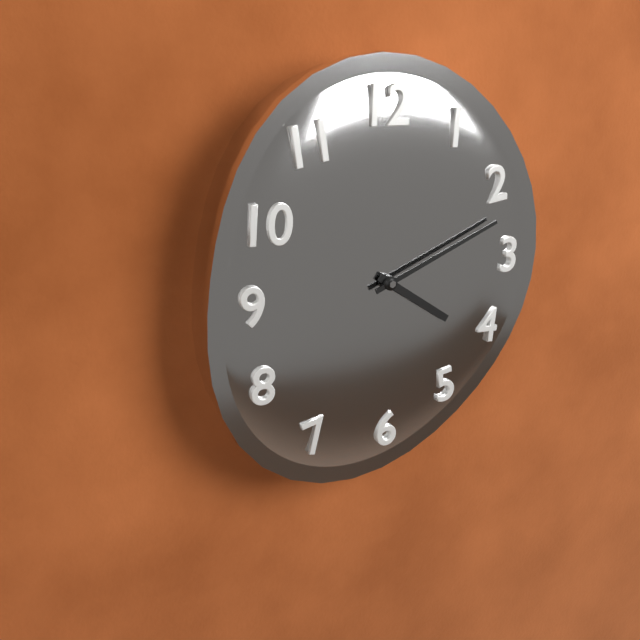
4:12
